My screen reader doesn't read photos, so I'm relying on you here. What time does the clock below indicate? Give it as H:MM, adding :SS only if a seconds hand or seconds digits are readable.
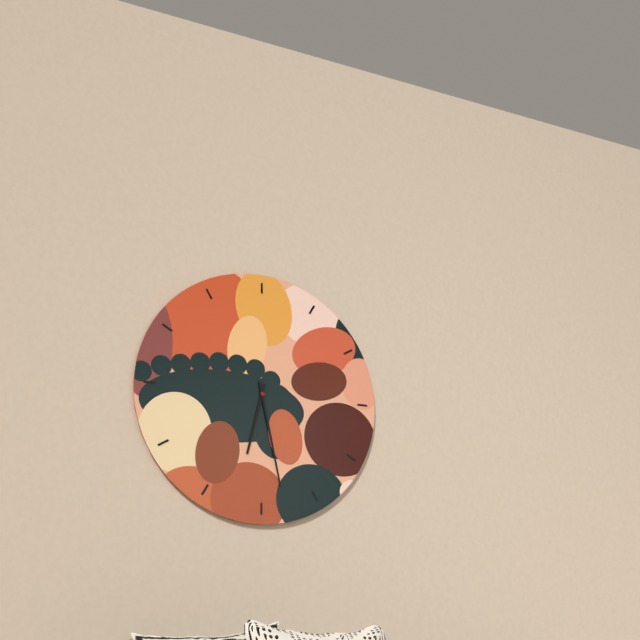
6:28
